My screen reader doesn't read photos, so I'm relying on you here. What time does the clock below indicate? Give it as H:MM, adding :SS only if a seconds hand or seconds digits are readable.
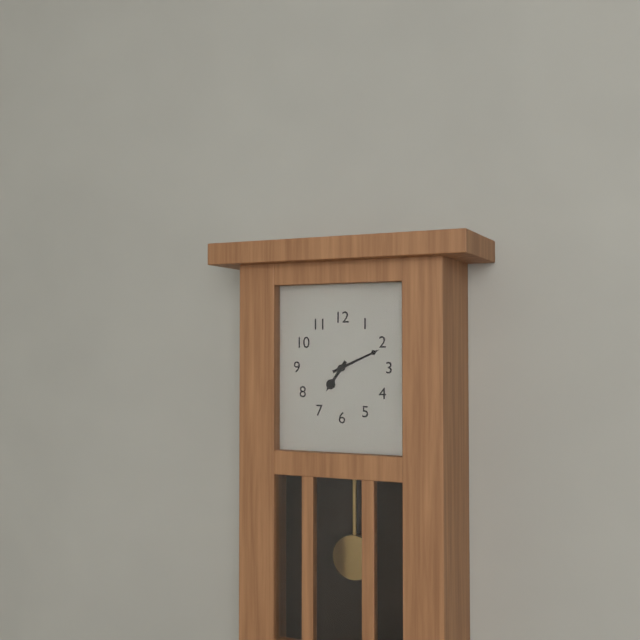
7:11
